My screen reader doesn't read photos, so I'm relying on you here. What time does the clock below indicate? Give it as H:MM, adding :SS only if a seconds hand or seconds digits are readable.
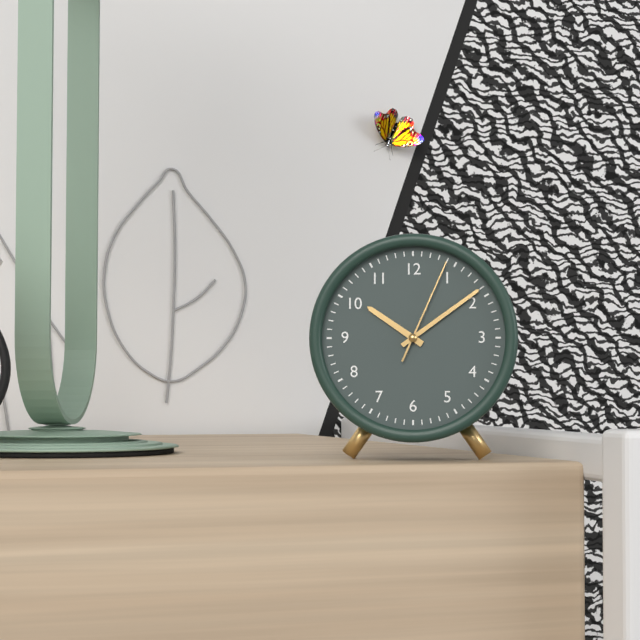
10:09:04
